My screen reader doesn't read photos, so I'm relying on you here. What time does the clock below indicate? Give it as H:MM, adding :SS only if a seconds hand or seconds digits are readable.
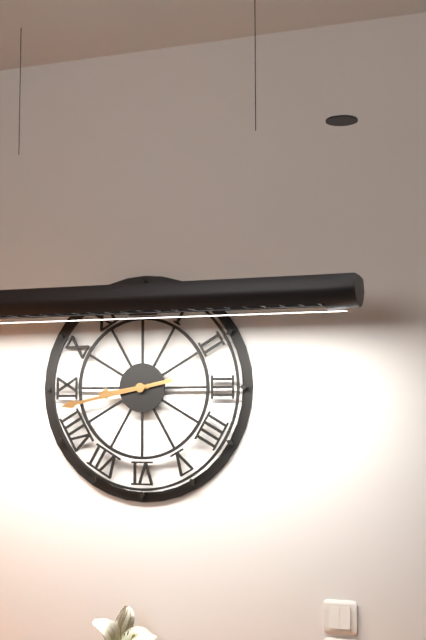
8:43
